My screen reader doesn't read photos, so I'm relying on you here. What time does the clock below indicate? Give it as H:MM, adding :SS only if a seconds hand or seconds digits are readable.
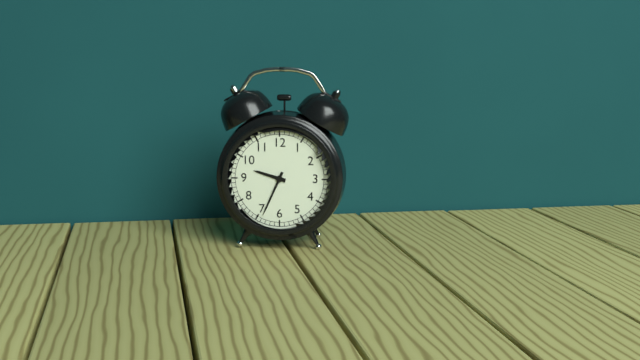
9:34
